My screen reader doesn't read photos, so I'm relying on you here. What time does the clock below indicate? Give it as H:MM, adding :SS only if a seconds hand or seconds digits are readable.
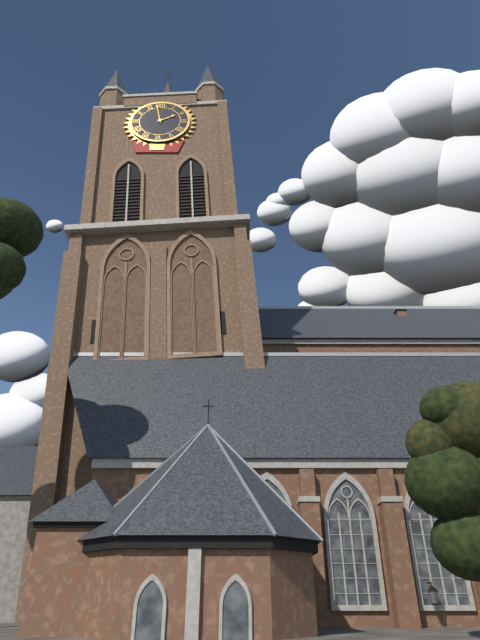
1:58
